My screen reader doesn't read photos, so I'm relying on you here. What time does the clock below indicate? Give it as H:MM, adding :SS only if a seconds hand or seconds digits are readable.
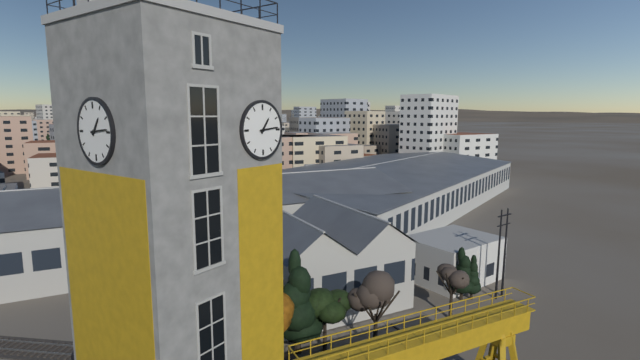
1:14
